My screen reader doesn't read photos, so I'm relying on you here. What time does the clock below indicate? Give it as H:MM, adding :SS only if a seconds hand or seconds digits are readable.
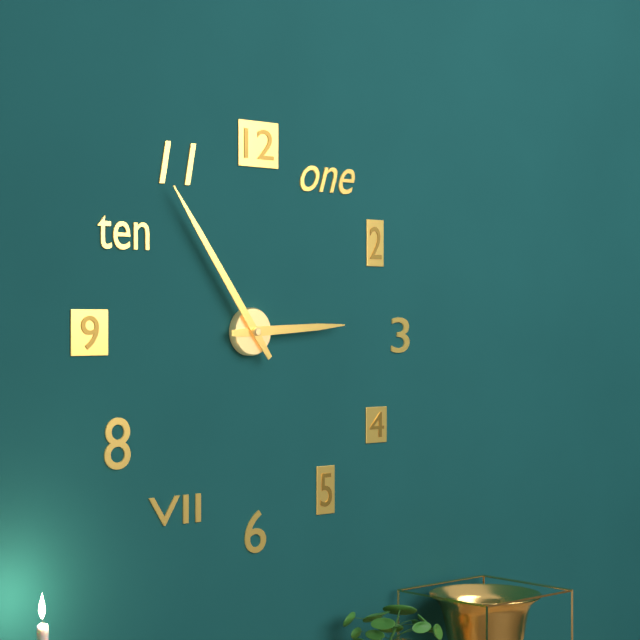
2:54
